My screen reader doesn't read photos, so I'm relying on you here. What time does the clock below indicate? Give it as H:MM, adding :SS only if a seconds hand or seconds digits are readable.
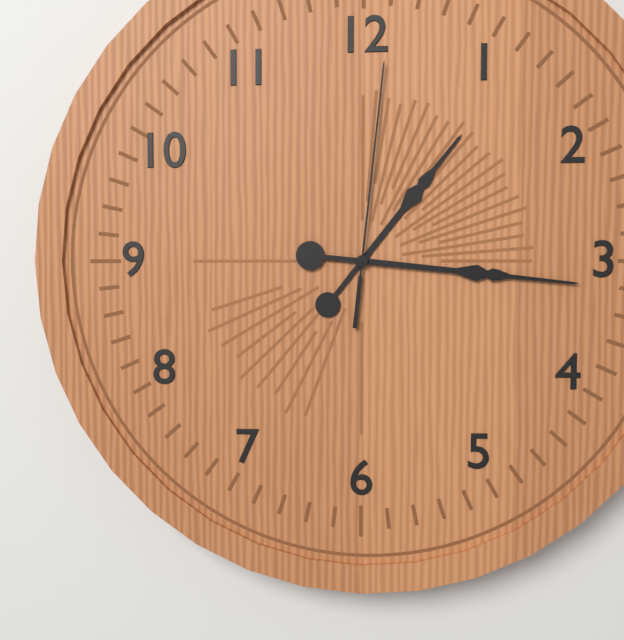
1:16:01
